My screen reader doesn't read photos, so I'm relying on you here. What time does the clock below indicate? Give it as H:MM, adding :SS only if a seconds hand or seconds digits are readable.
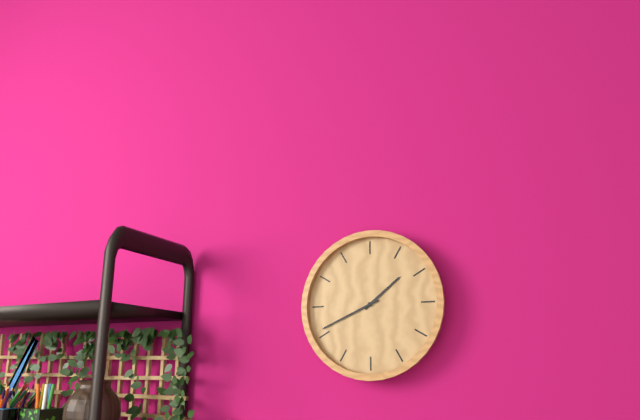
1:41
